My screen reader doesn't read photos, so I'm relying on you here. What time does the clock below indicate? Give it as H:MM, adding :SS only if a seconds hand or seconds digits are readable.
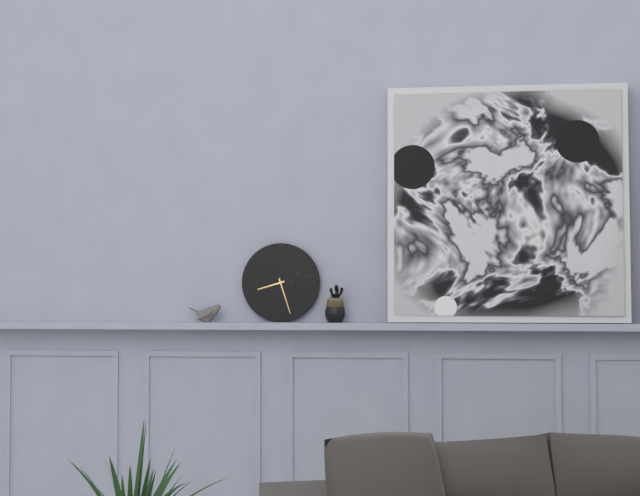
8:27
